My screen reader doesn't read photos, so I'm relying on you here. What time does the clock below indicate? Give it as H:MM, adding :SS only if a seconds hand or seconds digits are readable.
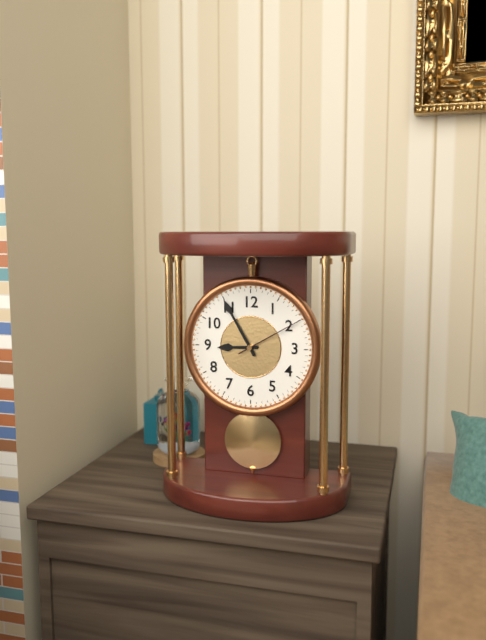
8:55:10
